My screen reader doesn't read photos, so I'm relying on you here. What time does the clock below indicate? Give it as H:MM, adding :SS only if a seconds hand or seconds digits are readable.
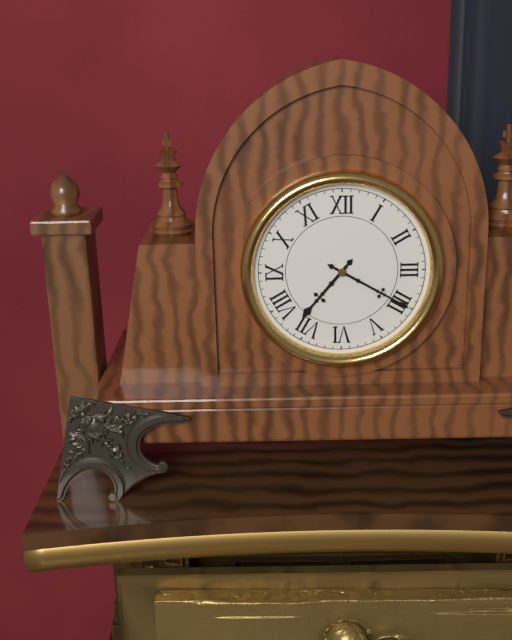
7:20
